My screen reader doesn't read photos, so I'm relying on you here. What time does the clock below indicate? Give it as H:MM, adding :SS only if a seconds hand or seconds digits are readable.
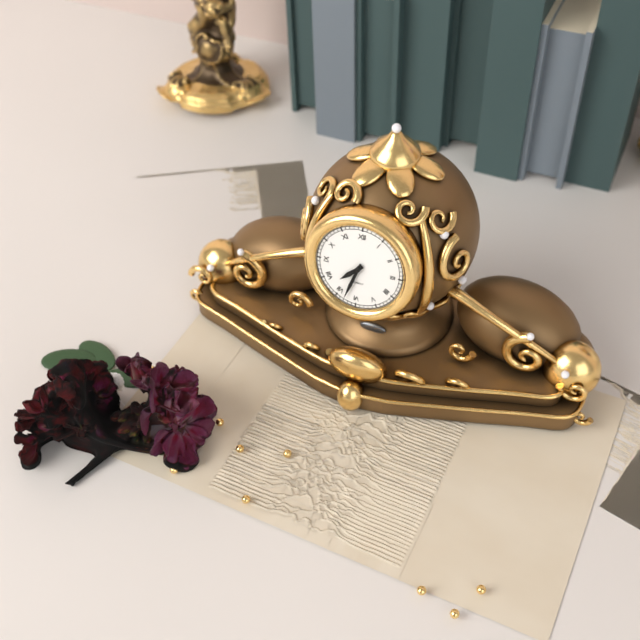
7:33
